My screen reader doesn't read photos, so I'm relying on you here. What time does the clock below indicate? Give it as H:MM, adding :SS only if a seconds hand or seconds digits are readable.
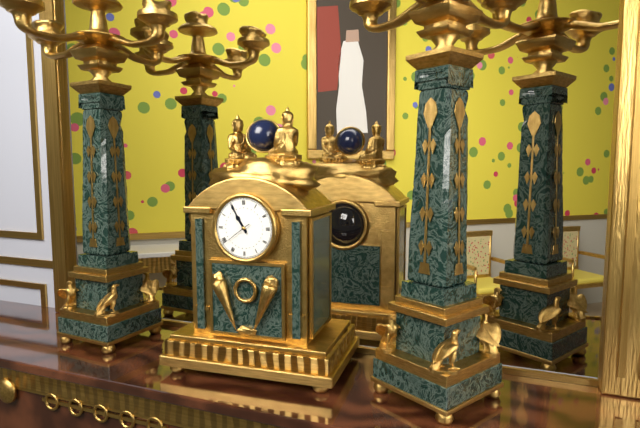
10:55
